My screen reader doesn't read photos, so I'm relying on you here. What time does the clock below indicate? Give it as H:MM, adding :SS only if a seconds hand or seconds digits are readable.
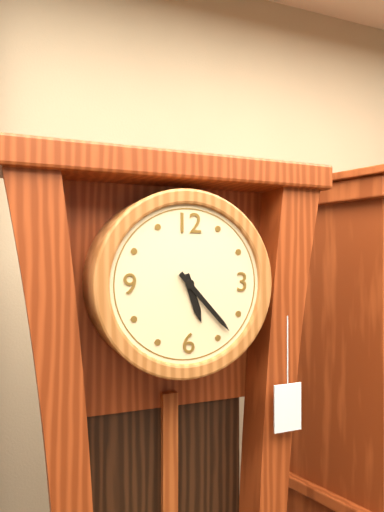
5:23
